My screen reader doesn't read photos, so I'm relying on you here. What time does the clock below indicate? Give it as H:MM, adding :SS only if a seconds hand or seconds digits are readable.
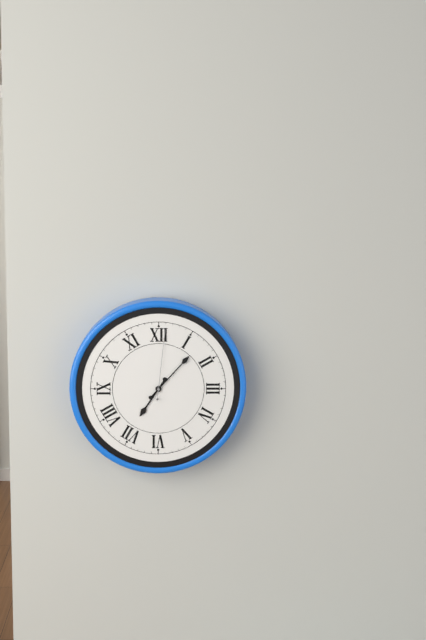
7:07:01
